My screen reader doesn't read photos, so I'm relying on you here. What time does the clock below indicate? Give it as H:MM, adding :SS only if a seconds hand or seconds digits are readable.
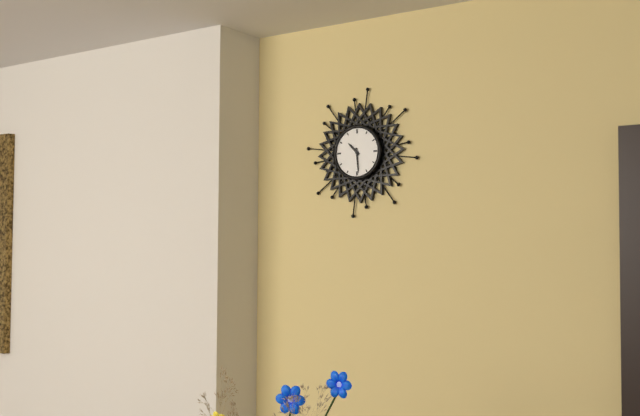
10:29
